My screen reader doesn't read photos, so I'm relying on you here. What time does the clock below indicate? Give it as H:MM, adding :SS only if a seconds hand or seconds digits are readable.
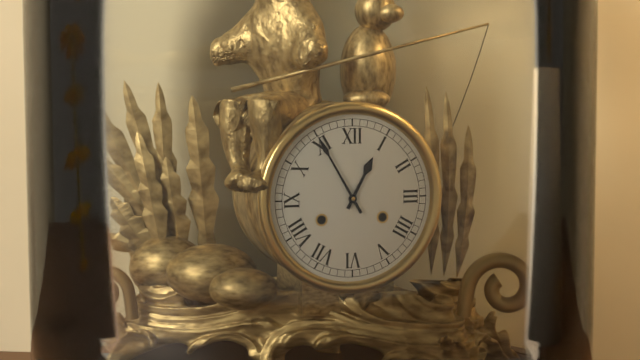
12:55
